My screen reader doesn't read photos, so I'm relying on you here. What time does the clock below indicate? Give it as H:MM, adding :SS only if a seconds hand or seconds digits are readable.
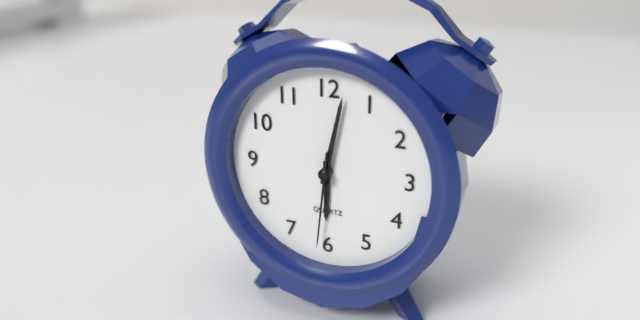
6:02:31
